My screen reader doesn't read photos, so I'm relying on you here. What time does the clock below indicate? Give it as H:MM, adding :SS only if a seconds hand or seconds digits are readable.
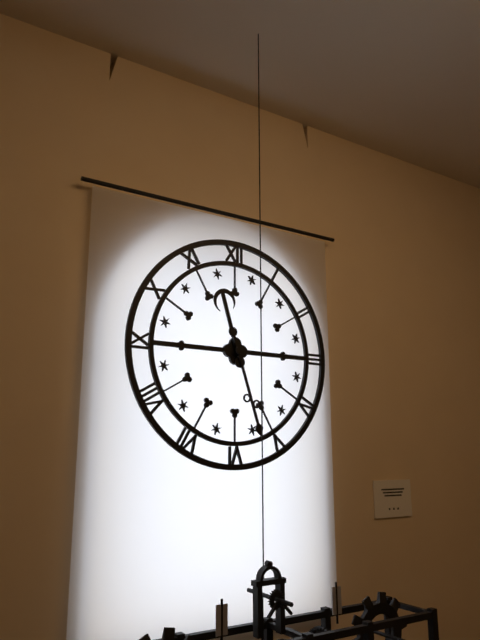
11:27
